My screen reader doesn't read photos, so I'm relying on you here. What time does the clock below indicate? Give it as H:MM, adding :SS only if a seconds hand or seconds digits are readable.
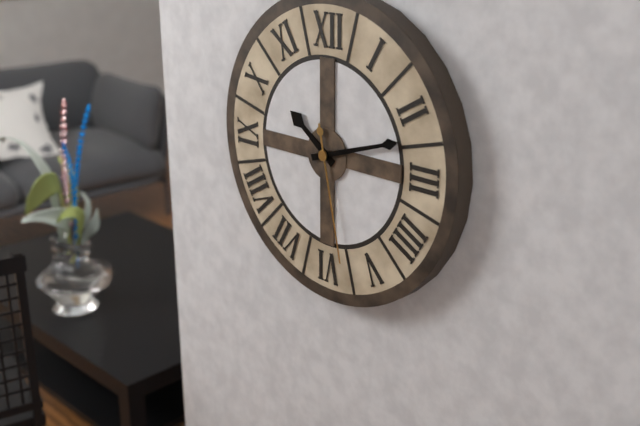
10:12:28
